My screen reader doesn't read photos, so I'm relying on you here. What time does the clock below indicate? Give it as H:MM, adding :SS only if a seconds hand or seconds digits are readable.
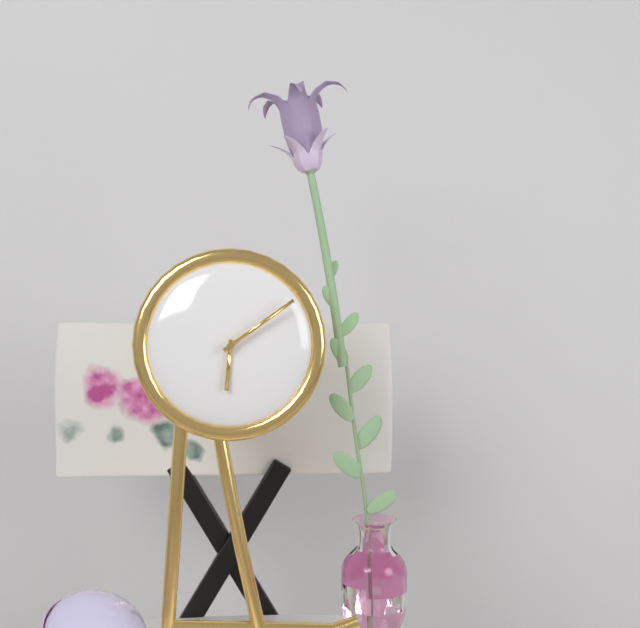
6:09
